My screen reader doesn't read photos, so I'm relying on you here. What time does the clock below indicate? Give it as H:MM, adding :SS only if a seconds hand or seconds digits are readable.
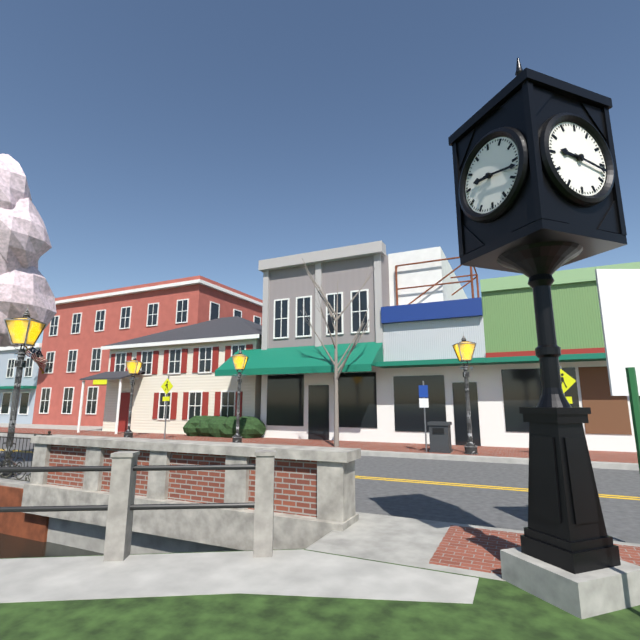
9:17
